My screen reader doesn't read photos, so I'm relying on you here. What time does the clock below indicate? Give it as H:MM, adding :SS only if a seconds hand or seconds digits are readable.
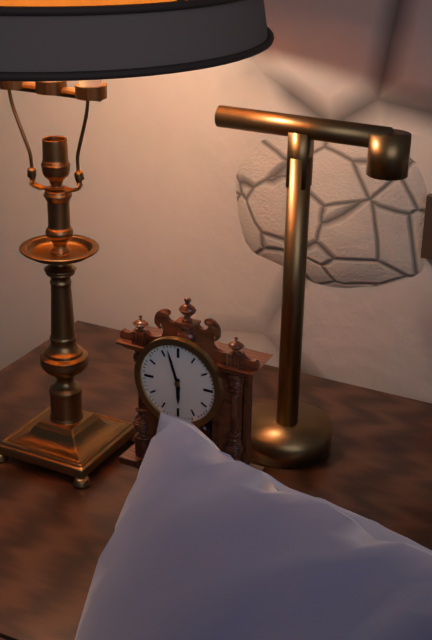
5:57
